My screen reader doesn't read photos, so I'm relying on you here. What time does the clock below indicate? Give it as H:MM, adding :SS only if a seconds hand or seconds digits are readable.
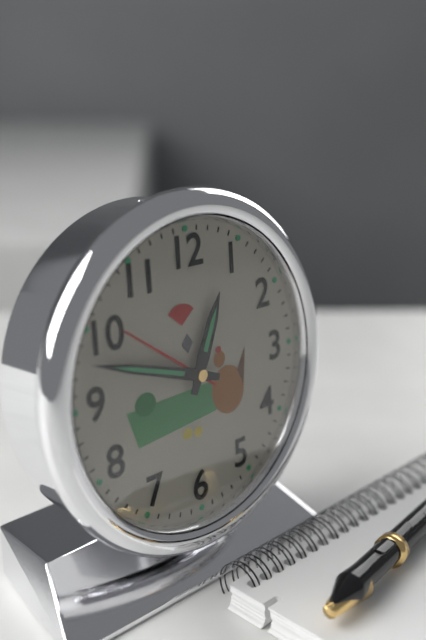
12:48
